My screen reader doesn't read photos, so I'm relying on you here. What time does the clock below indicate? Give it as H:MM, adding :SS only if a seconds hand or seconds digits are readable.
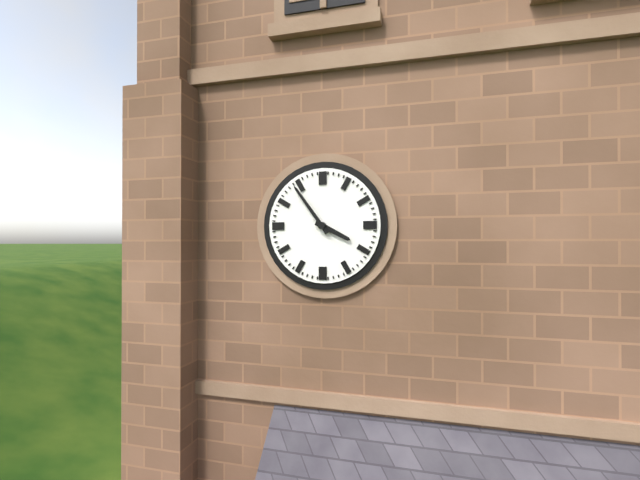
3:54
